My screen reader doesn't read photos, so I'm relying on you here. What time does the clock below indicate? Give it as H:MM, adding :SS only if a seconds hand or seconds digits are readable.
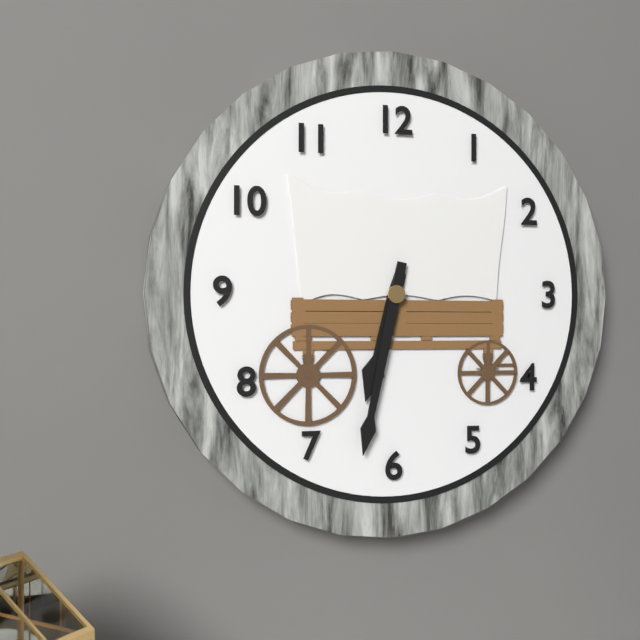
6:32
